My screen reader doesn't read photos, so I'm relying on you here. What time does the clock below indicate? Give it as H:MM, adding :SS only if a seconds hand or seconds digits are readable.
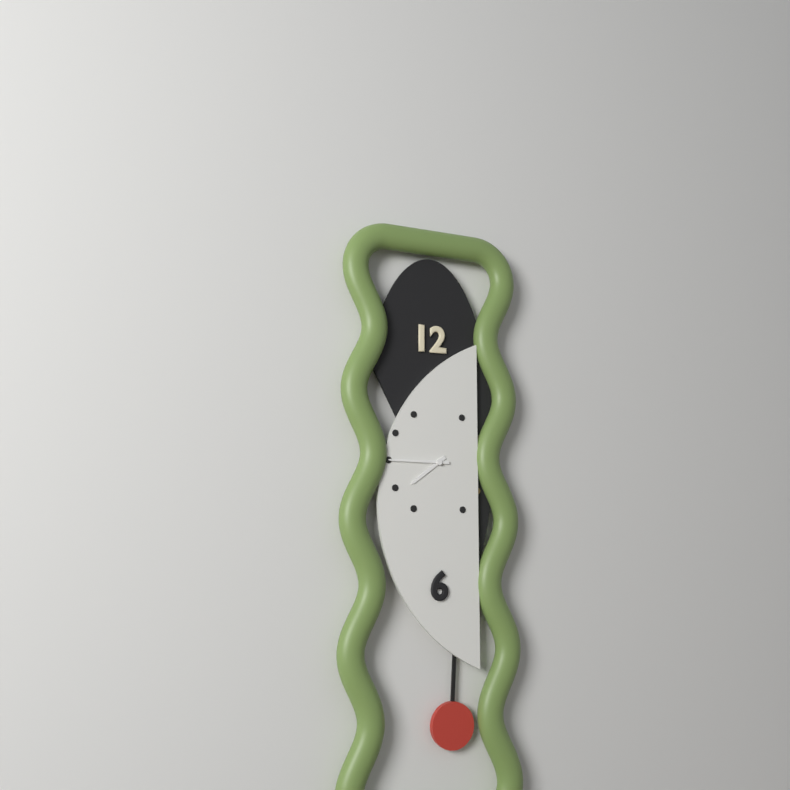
7:45
